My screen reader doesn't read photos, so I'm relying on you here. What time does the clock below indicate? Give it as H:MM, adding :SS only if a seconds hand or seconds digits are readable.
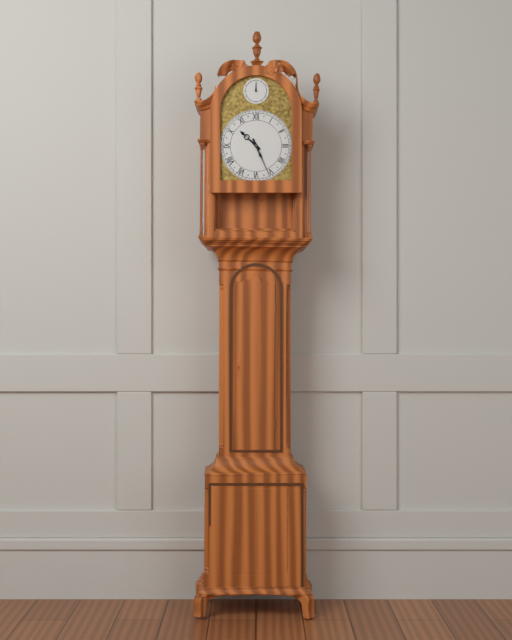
10:26
